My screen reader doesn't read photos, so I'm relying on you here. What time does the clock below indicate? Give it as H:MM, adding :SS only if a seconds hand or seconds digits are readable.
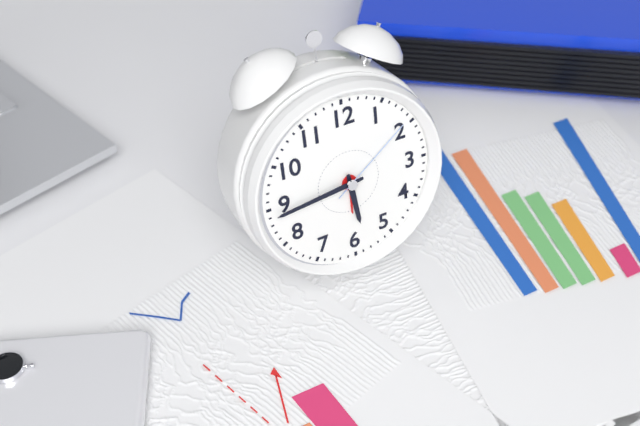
5:44:09
